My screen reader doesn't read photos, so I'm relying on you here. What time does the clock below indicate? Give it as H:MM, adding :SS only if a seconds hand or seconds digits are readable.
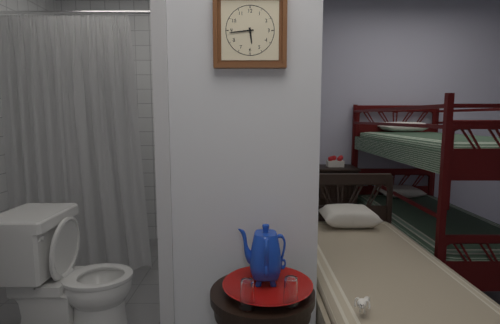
5:44
